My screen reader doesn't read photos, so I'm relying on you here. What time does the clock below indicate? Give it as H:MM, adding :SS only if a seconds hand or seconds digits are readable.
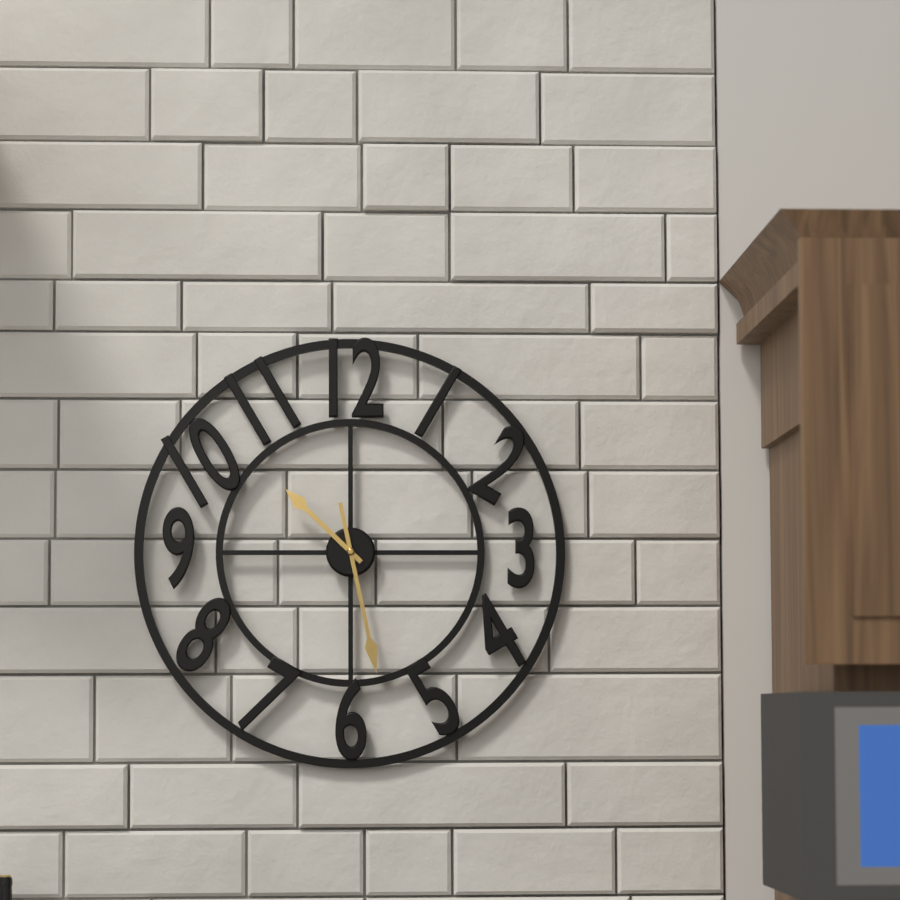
10:28
